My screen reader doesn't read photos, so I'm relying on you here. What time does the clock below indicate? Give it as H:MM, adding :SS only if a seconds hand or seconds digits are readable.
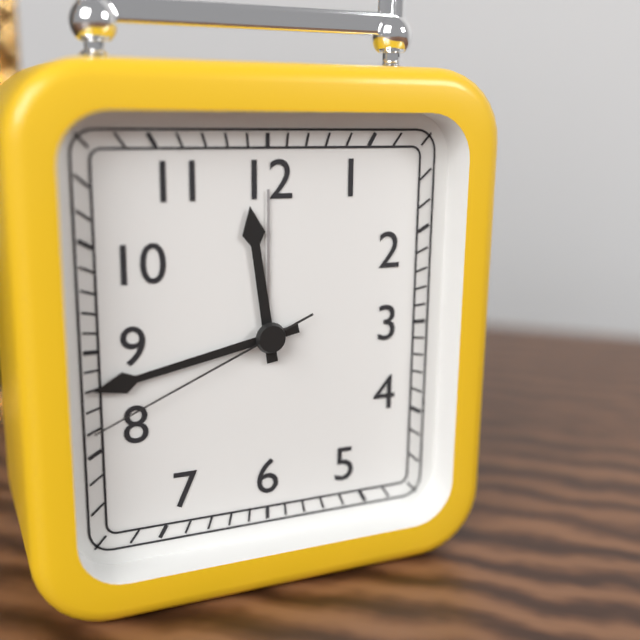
11:43:41
